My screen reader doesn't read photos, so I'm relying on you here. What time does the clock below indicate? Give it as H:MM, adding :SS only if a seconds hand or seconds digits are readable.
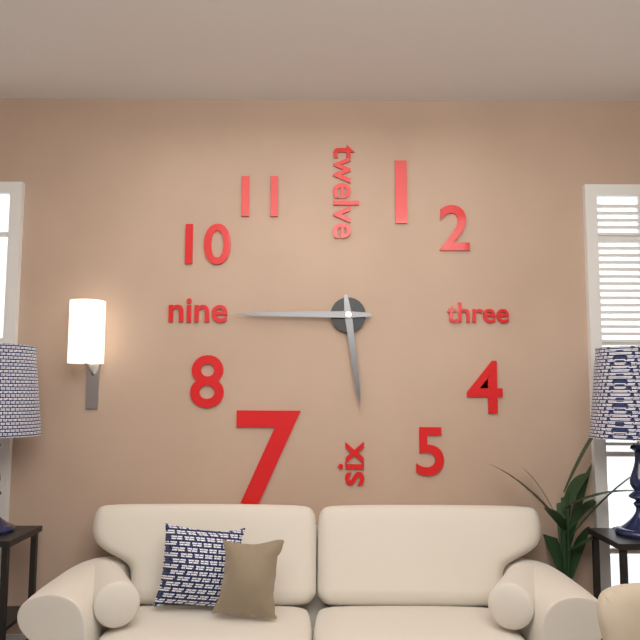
5:45
